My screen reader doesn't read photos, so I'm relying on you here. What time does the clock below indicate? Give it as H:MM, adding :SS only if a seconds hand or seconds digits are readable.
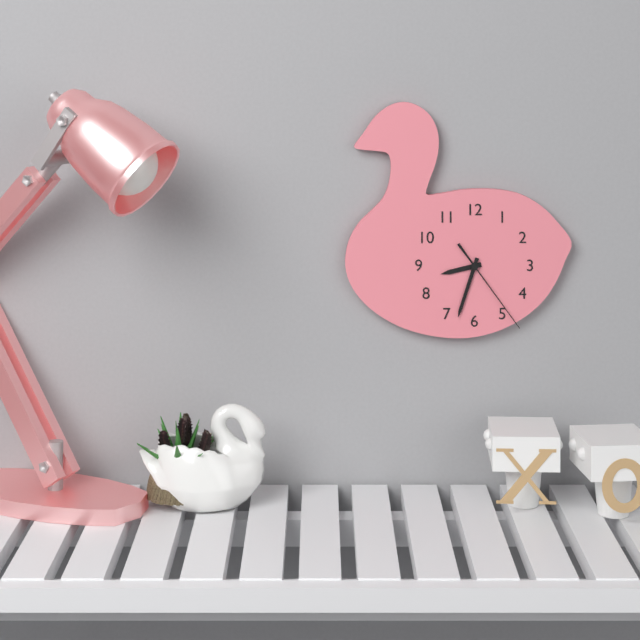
8:33:24
